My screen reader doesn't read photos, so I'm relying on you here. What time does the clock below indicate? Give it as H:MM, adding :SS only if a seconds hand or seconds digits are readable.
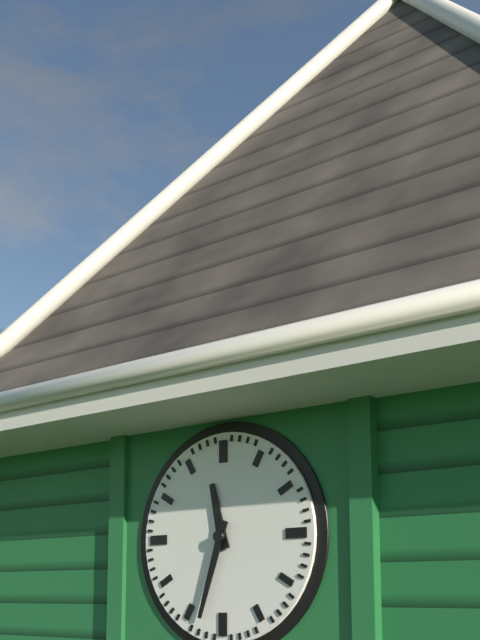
11:33
